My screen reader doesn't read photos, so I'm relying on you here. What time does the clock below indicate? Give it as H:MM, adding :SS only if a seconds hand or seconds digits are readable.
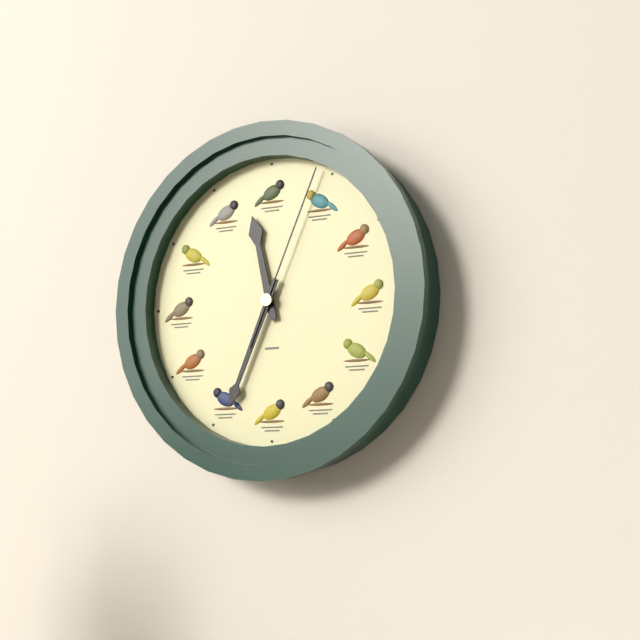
11:34:04
